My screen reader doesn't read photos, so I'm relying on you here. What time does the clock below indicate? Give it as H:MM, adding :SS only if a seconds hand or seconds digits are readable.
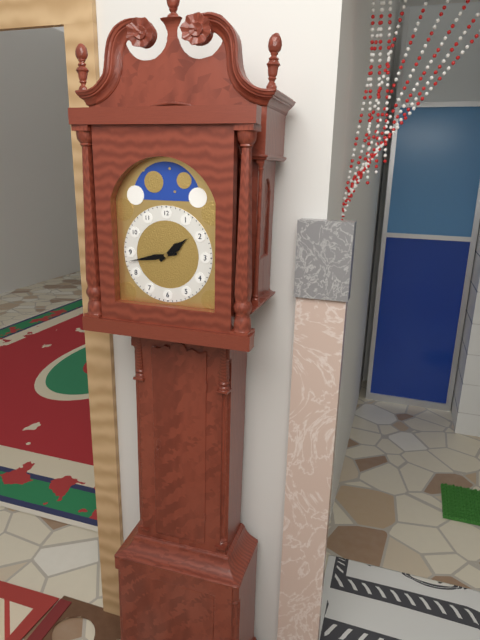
1:43
